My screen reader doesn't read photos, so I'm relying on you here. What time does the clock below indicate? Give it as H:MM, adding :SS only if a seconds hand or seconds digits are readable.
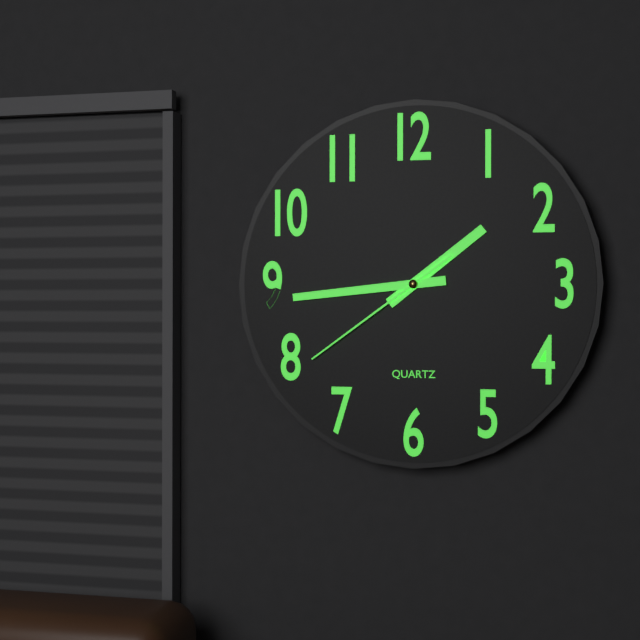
1:44:39
